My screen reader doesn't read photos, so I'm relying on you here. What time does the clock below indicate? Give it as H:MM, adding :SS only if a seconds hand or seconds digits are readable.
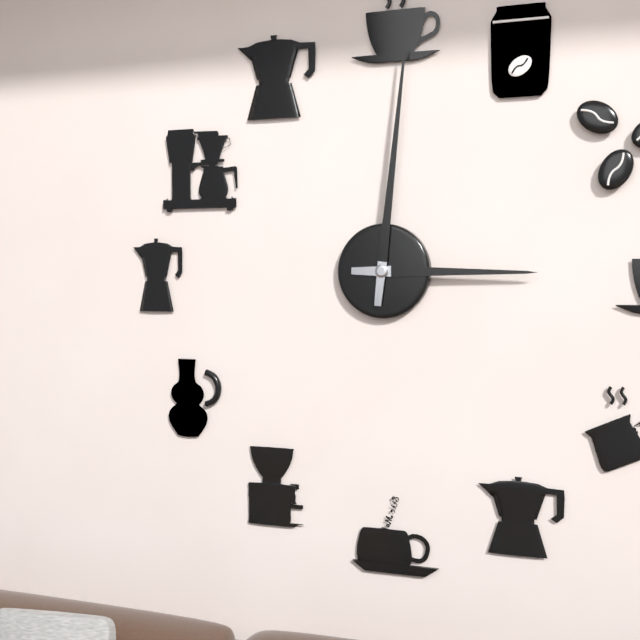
3:01
